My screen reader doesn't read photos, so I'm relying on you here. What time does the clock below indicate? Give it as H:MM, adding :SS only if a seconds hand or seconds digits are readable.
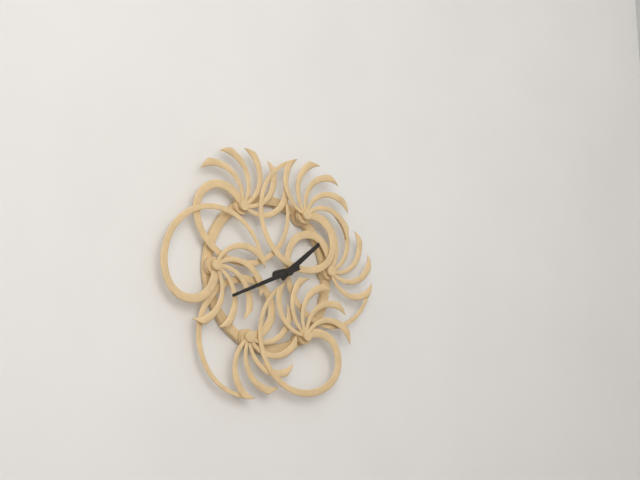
1:41
